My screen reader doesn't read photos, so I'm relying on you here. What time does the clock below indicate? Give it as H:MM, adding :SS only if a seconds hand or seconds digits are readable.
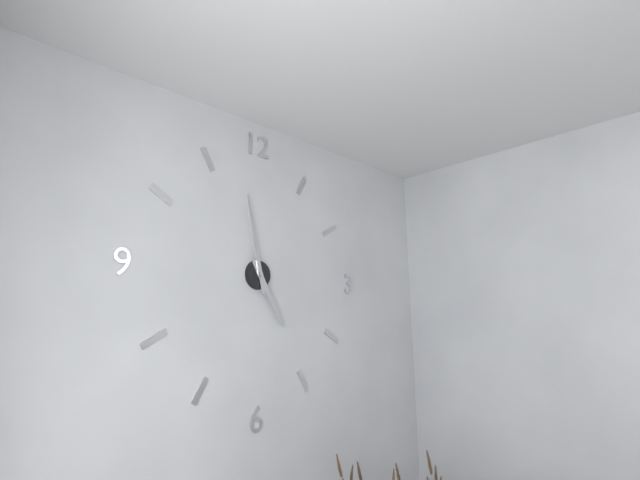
4:58
